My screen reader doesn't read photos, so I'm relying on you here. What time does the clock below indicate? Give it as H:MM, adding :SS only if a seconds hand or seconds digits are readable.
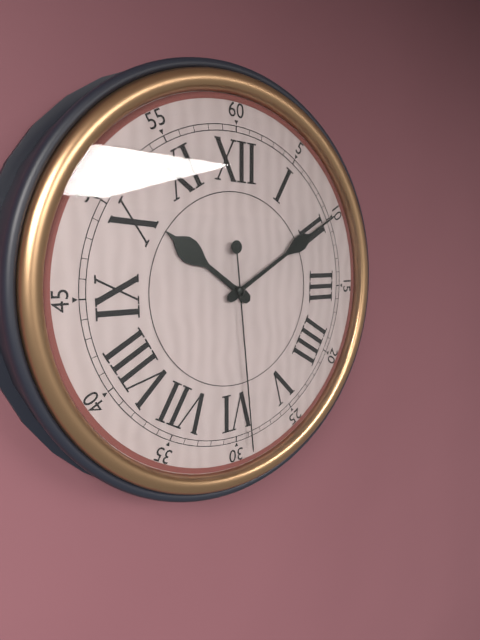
10:10:29
